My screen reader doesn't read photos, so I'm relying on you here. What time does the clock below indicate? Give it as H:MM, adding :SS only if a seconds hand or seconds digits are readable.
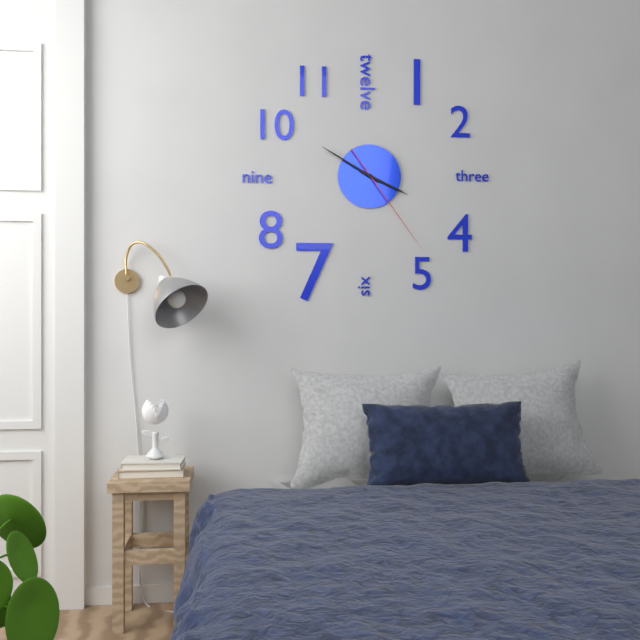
3:50:24
